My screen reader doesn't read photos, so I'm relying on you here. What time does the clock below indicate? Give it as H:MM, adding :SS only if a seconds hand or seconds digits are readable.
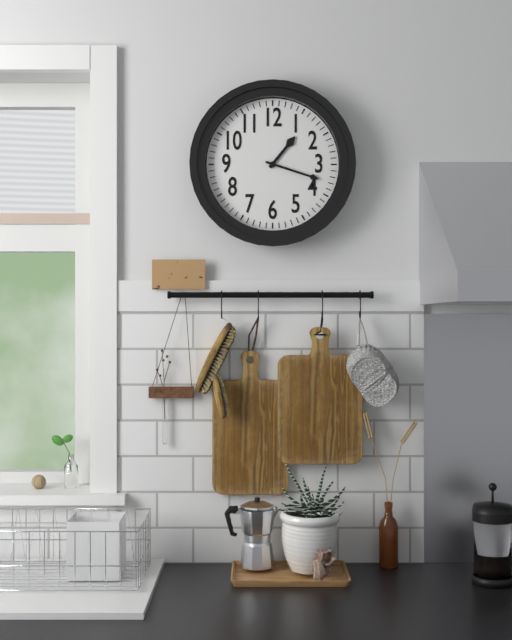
1:18
